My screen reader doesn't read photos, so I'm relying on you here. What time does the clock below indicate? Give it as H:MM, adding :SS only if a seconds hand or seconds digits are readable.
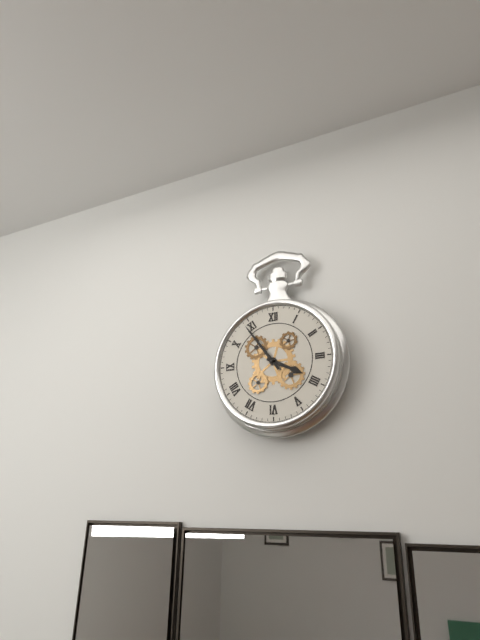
3:54
